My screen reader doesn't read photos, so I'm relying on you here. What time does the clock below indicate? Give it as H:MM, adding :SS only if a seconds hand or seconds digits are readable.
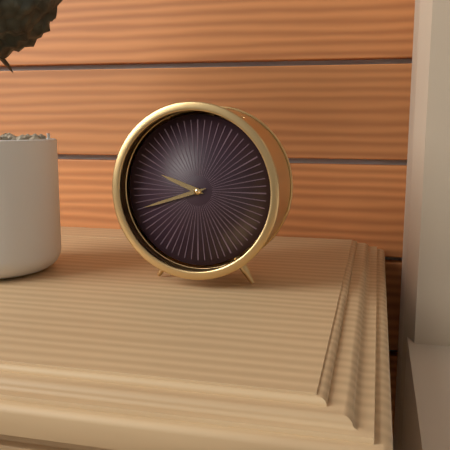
9:42
